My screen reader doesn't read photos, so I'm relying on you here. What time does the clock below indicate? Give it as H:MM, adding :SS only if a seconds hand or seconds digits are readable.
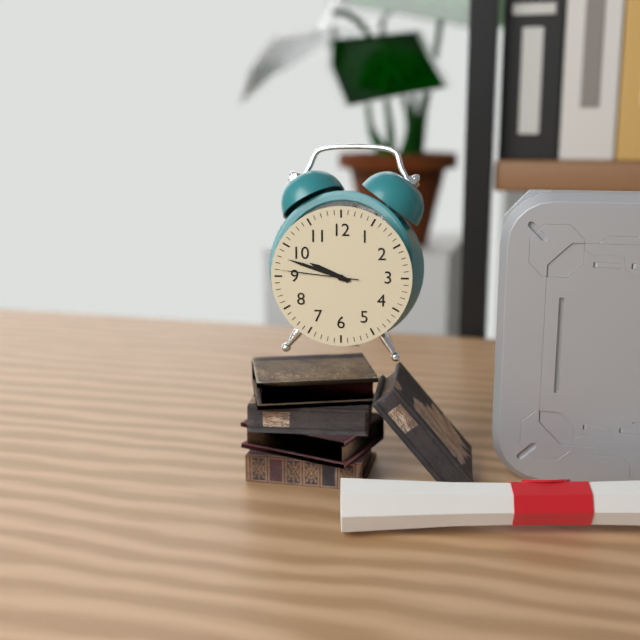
9:48:46
